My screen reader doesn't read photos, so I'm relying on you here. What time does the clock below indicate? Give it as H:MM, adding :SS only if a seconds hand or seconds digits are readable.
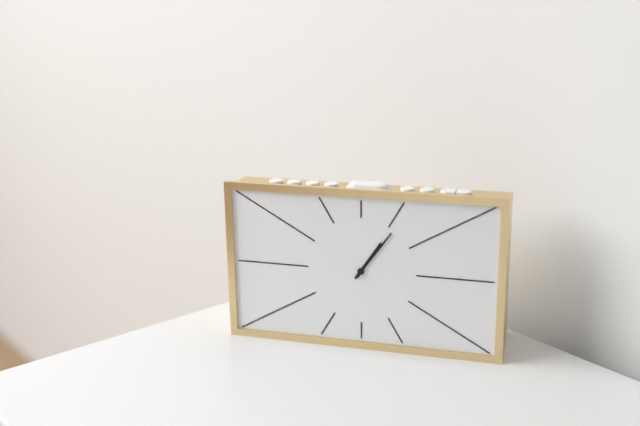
1:06
